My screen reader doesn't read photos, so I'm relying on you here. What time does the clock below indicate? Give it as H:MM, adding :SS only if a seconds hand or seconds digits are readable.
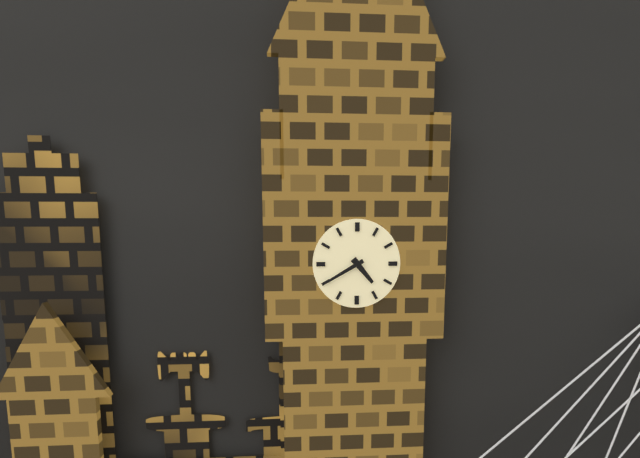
4:40
